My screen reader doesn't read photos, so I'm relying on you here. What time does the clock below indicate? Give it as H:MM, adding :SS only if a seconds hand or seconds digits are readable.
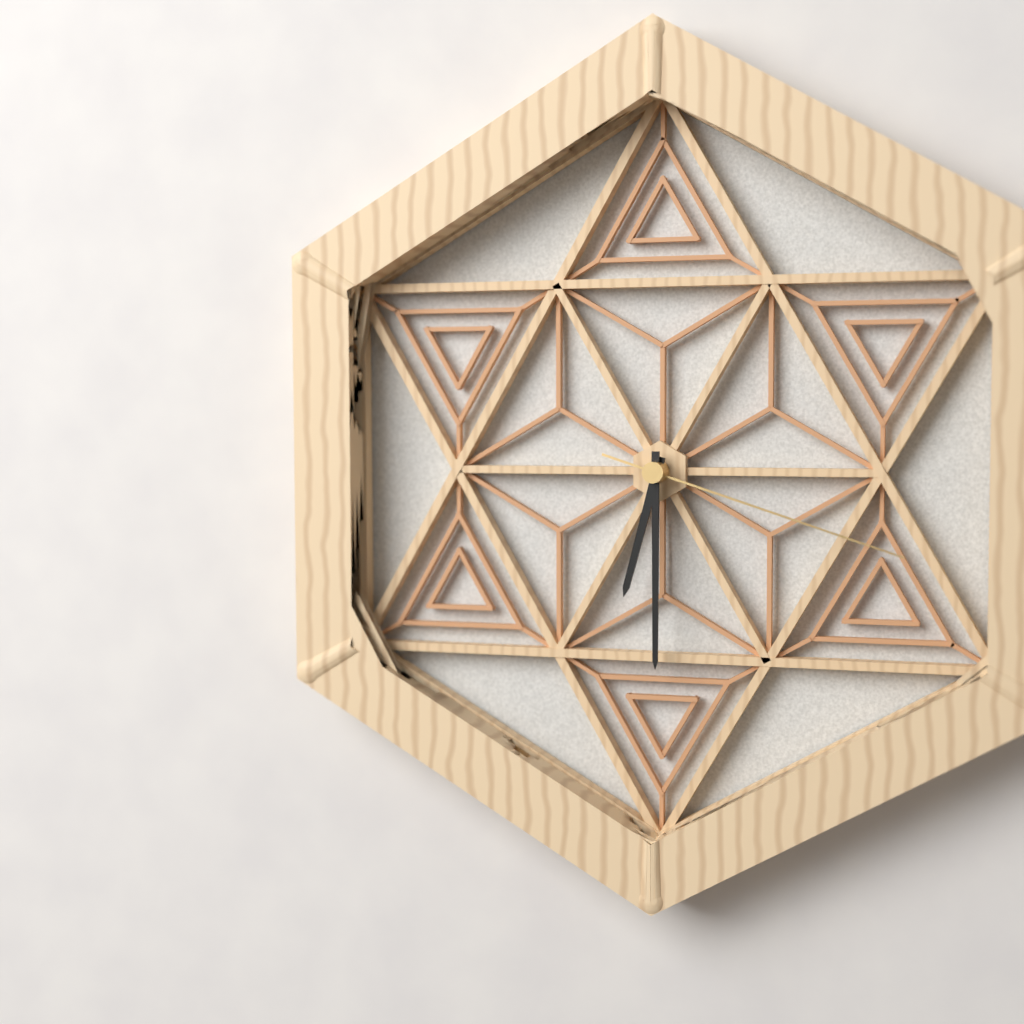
6:30:18
